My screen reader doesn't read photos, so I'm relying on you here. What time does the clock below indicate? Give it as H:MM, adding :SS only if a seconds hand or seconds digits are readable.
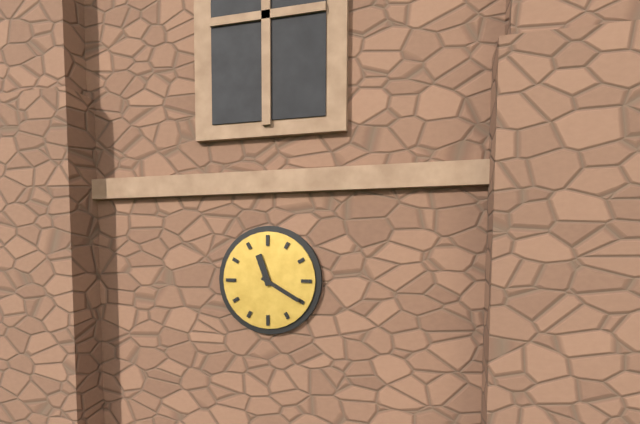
11:20
